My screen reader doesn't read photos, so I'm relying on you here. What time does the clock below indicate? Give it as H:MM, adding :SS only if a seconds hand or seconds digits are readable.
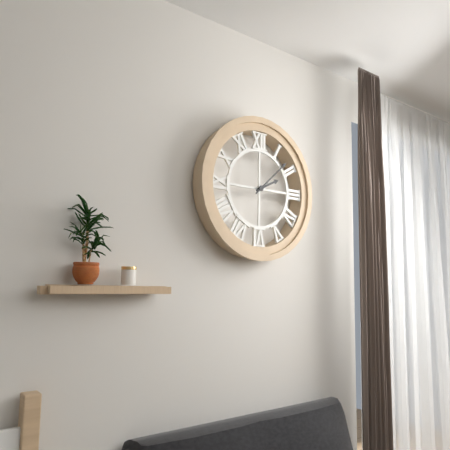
2:08
